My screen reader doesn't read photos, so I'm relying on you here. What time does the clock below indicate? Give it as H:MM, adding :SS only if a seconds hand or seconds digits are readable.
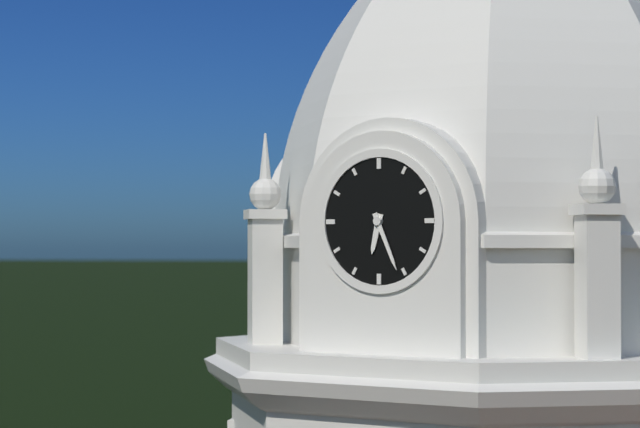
6:26
